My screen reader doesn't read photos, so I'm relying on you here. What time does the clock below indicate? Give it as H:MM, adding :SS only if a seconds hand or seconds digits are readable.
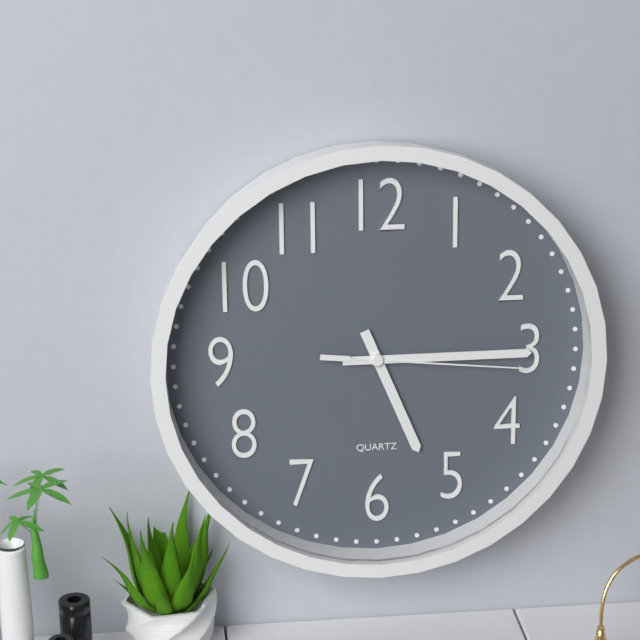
5:15:16
